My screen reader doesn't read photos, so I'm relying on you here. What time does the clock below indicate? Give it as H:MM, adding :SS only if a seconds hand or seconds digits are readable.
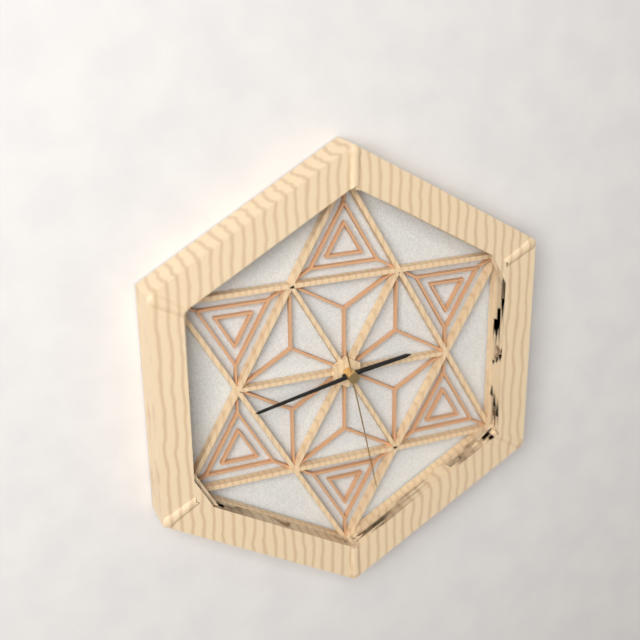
2:43:28
